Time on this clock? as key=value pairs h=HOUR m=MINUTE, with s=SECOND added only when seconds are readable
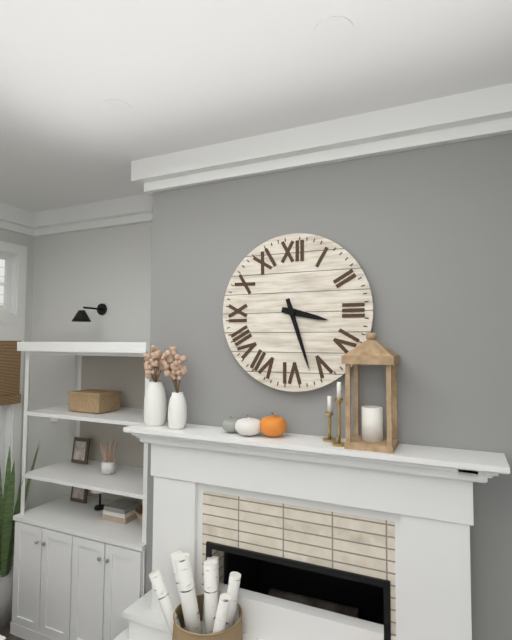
h=3 m=27
